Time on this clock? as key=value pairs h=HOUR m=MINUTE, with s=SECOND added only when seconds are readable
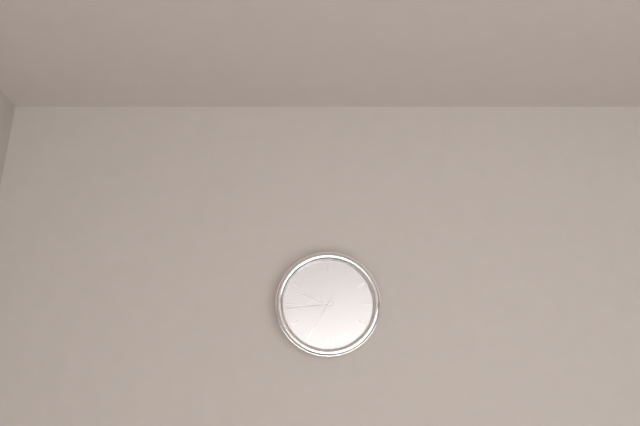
h=9 m=44
